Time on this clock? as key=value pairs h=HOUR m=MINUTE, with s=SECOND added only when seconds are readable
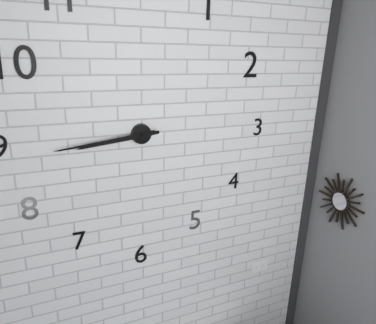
h=8 m=44
